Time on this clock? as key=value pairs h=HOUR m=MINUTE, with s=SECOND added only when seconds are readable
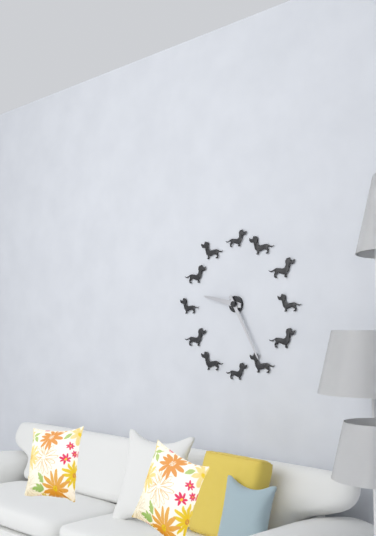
h=9 m=25
